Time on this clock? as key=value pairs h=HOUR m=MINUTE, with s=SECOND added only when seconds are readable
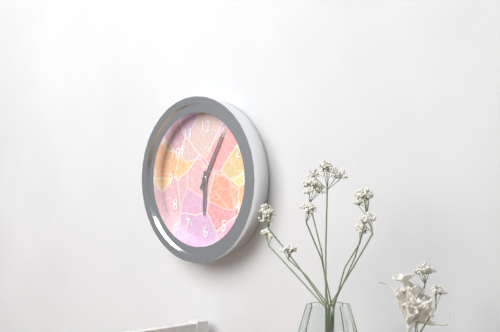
h=6 m=5
